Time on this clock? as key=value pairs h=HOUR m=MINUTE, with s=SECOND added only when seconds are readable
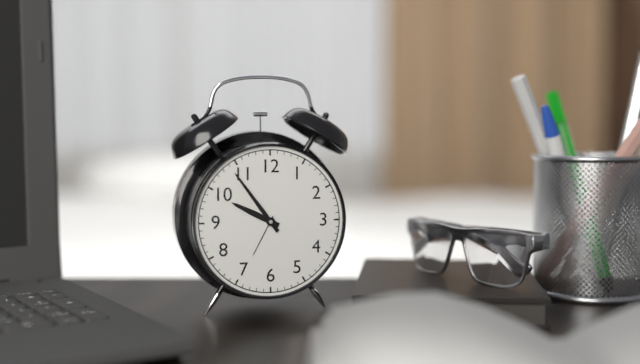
h=9 m=54
